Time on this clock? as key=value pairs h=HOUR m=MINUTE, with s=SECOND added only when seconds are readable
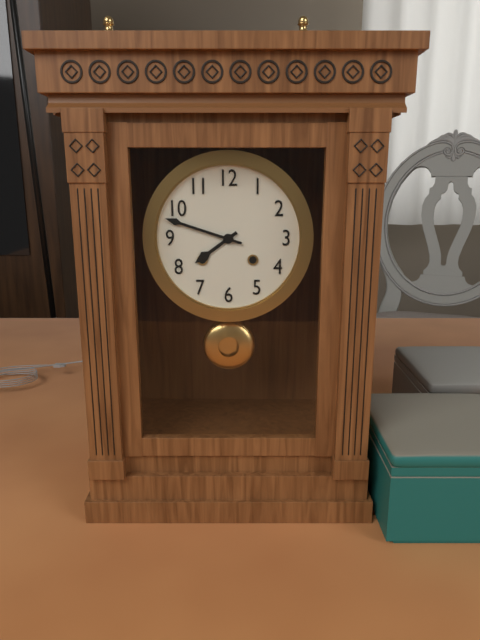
h=7 m=48
